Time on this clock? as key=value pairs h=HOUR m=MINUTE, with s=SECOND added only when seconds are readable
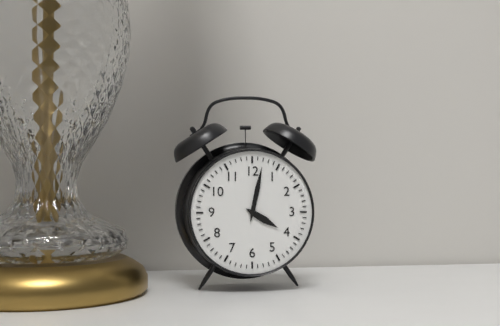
h=4 m=2
